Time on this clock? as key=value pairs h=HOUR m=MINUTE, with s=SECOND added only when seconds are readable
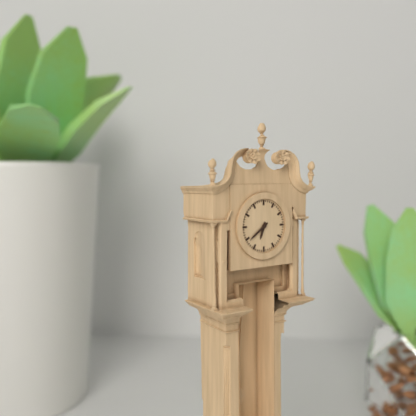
h=6 m=39
